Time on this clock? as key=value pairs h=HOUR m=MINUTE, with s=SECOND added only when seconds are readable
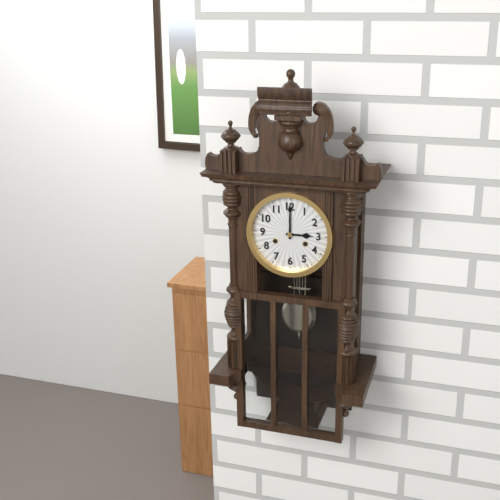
h=3 m=0
